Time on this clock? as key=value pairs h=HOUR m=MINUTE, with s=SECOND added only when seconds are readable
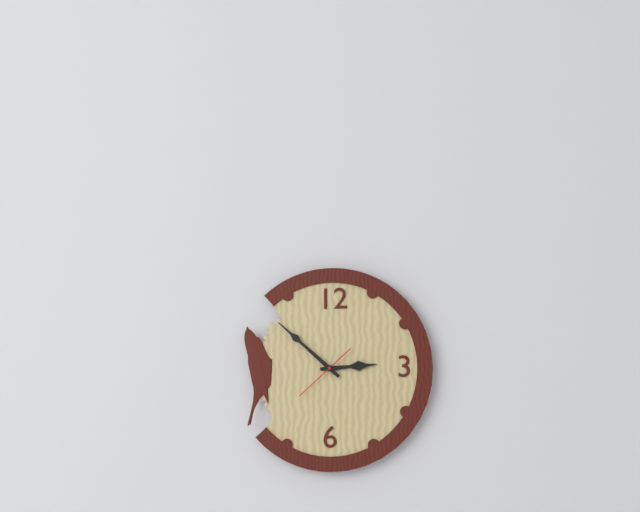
h=2 m=52 s=38
